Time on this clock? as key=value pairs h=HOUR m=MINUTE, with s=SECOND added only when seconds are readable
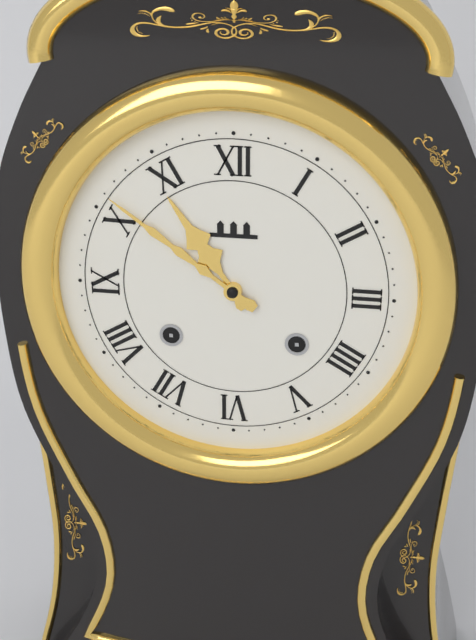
h=10 m=51
